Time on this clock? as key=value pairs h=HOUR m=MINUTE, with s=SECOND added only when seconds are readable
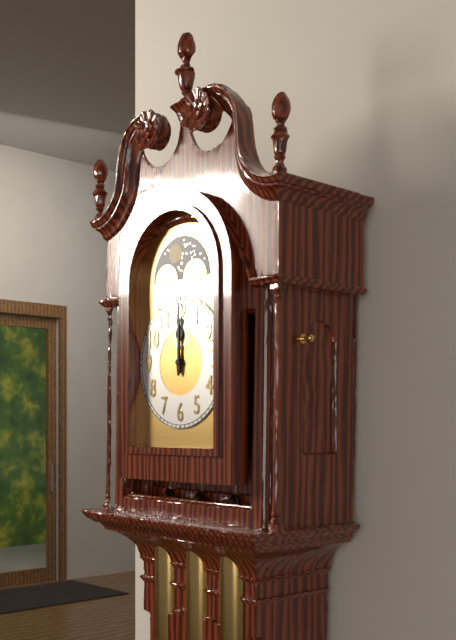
h=12 m=0
